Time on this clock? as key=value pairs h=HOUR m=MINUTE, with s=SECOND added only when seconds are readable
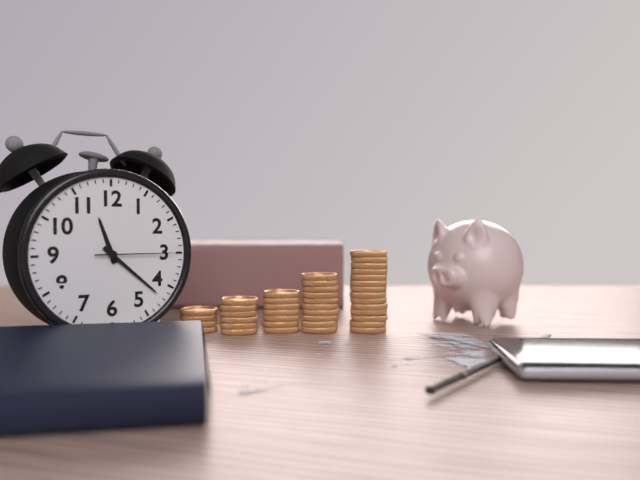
h=11 m=22 s=15
